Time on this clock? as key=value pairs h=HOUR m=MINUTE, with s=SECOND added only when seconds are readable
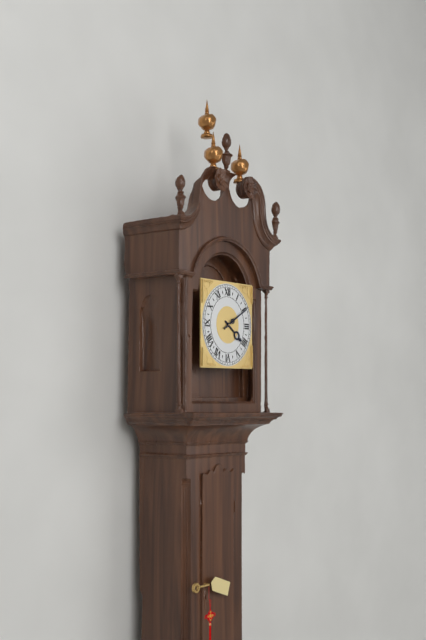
h=4 m=10
